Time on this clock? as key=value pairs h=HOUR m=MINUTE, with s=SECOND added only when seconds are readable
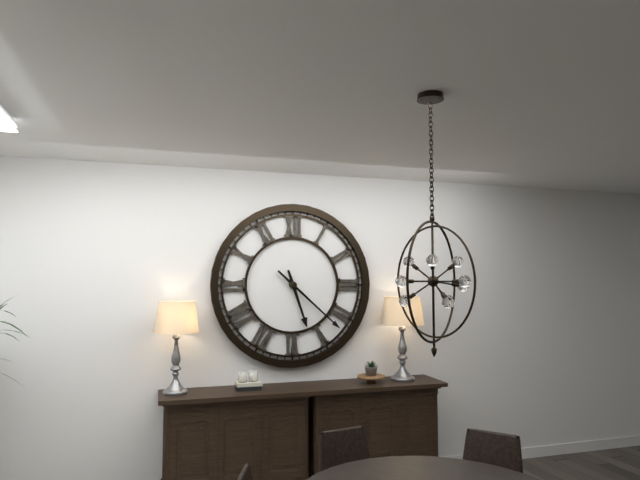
h=5 m=22
